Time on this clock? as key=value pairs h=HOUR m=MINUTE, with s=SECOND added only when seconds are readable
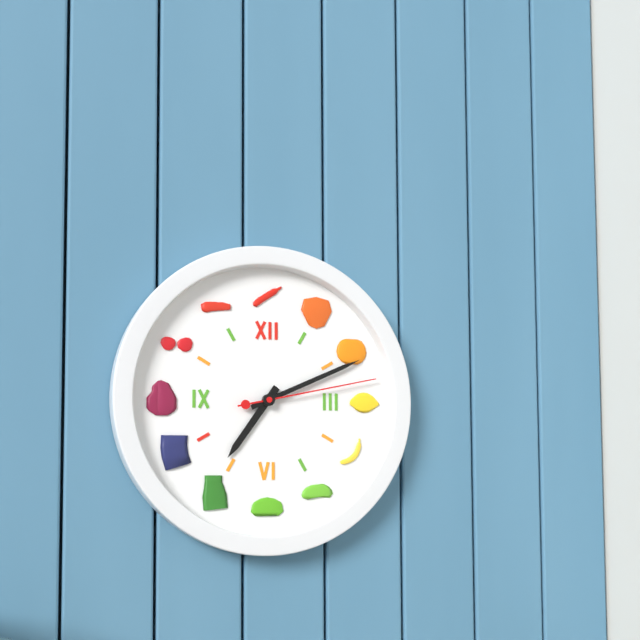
h=7 m=11 s=13
